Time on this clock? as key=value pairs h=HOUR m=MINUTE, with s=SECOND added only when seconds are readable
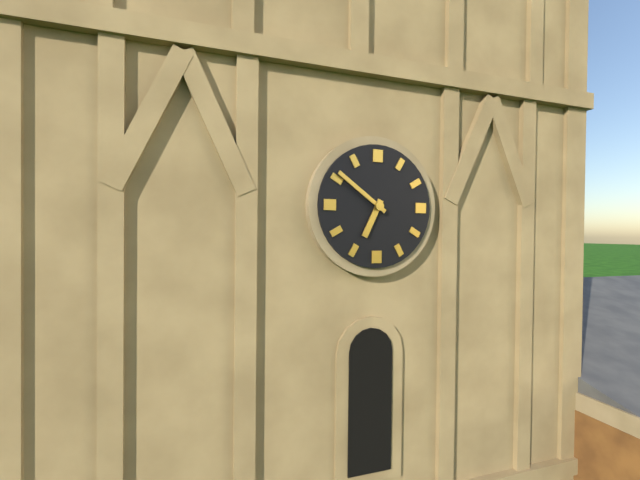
h=6 m=51
